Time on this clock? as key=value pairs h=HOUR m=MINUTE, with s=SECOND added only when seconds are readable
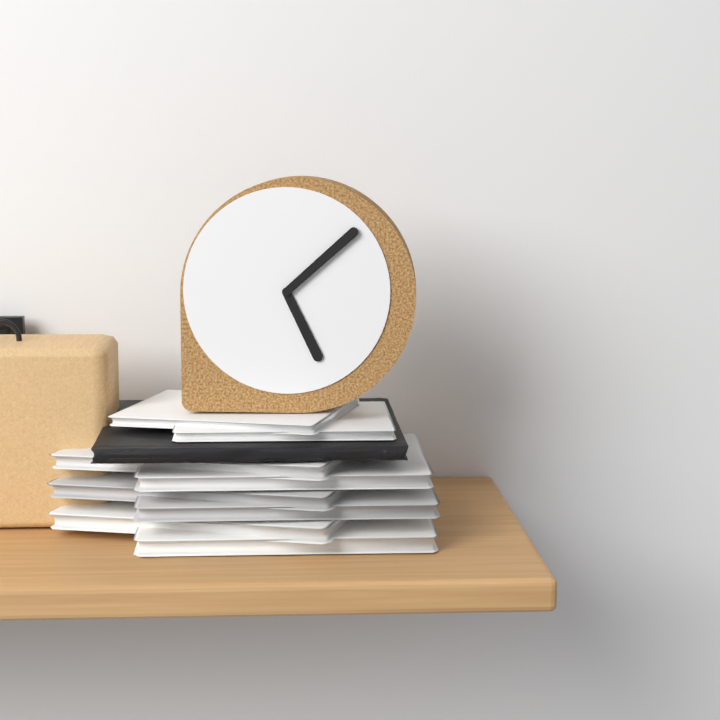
h=5 m=8
